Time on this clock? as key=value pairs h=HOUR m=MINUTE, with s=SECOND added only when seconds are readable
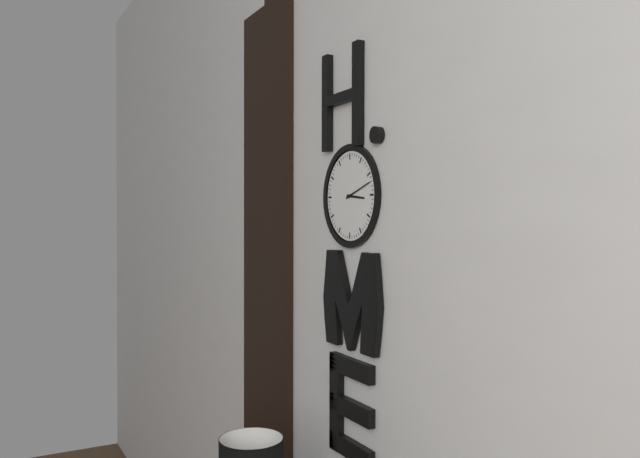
h=3 m=12
